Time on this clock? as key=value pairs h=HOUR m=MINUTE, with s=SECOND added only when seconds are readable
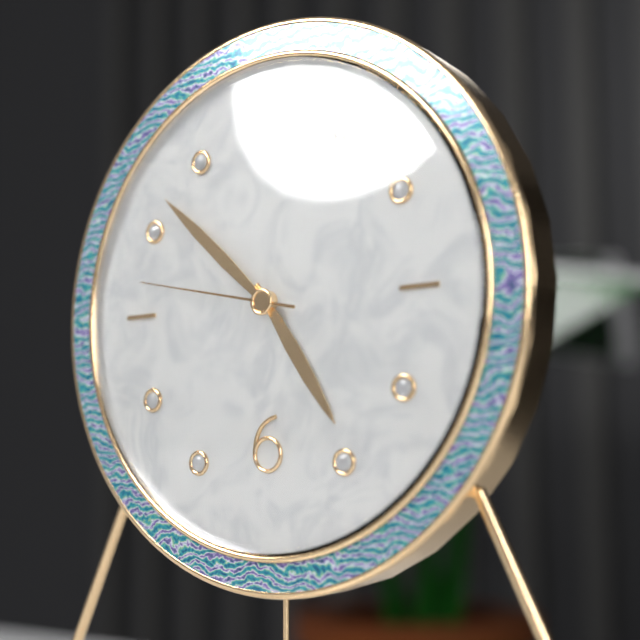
h=4 m=52 s=47
